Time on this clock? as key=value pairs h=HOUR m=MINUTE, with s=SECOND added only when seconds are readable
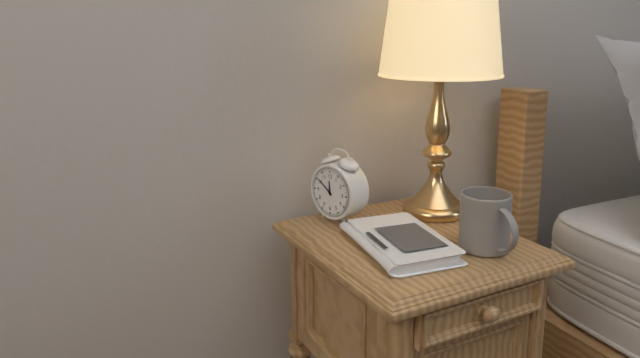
h=11 m=51
